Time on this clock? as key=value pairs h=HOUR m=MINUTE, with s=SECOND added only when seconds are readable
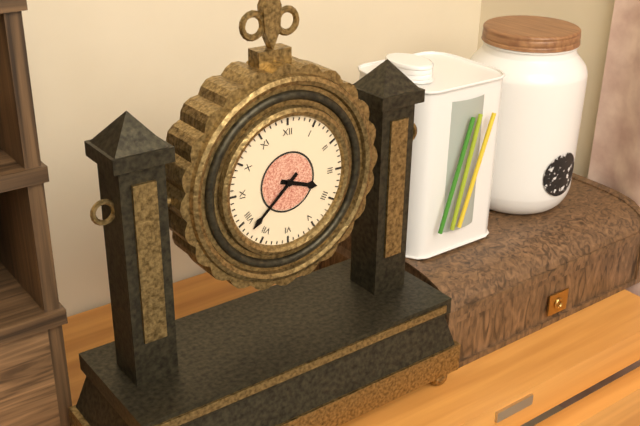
h=3 m=38
